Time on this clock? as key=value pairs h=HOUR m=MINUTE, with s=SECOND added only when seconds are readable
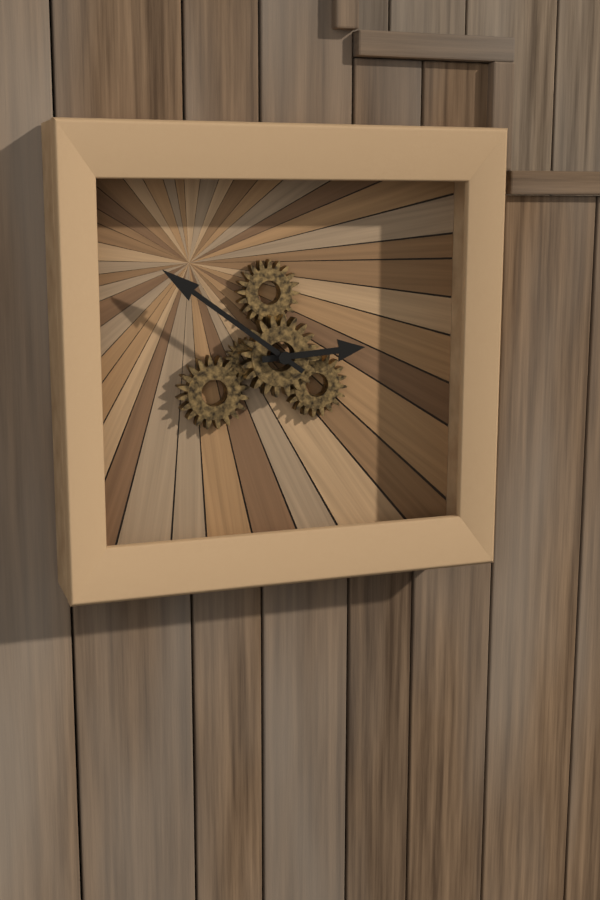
h=2 m=51
